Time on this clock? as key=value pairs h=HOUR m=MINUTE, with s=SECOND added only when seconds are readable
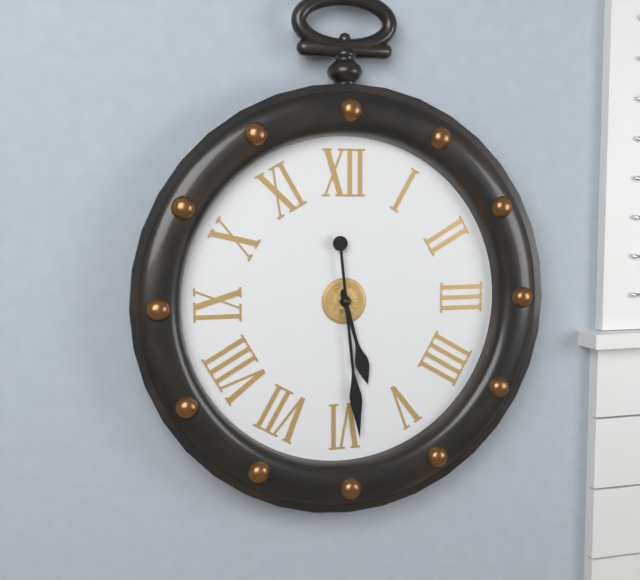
h=5 m=29
